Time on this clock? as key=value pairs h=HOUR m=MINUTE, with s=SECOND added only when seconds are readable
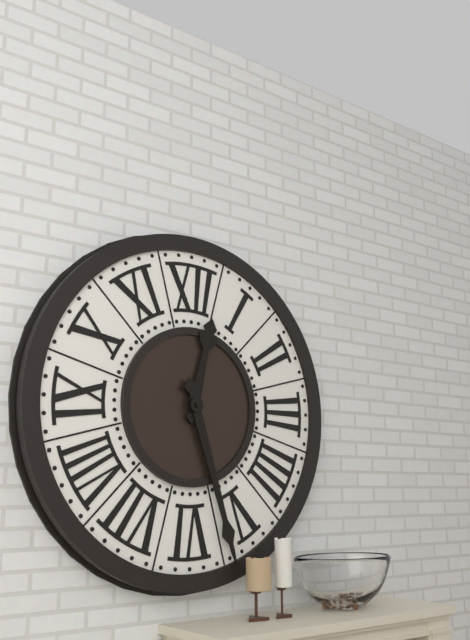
h=12 m=27
